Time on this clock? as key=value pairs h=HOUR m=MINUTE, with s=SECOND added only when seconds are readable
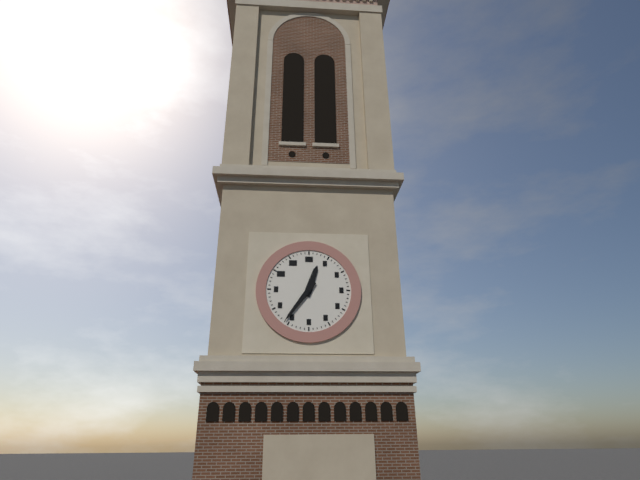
h=12 m=36
